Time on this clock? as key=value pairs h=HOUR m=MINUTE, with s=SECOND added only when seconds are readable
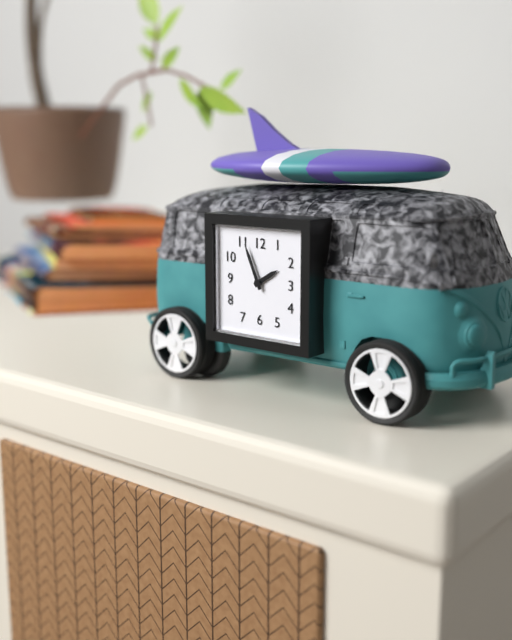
h=1 m=56
